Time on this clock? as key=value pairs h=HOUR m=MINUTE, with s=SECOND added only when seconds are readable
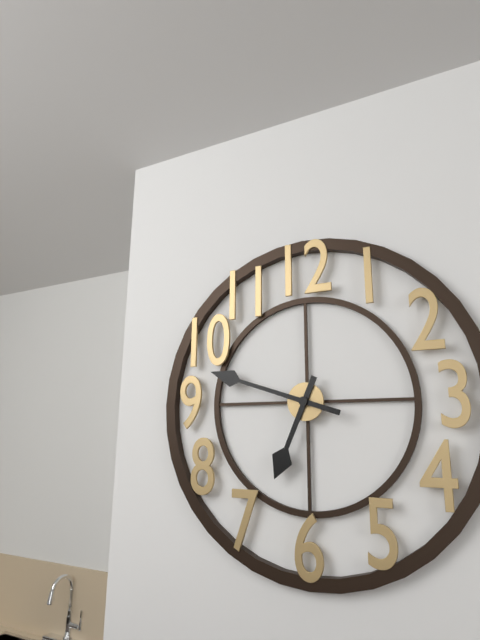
h=6 m=48
